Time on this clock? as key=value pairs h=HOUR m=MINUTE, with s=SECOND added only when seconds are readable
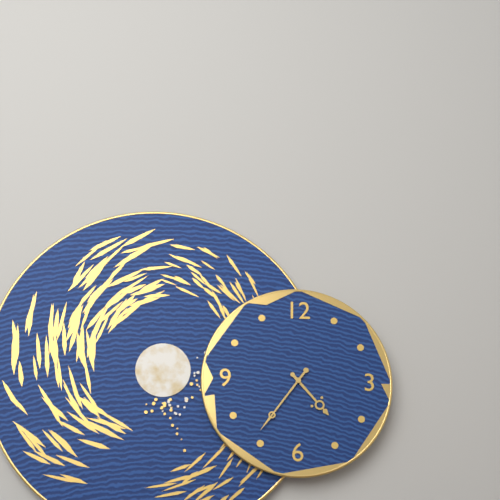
h=4 m=36
